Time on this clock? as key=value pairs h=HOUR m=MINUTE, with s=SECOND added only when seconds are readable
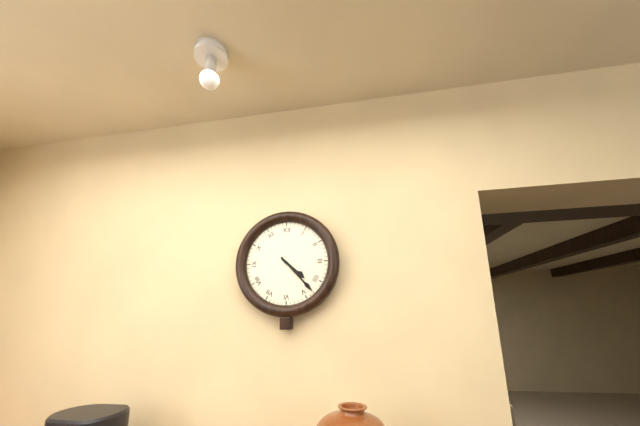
h=4 m=23
